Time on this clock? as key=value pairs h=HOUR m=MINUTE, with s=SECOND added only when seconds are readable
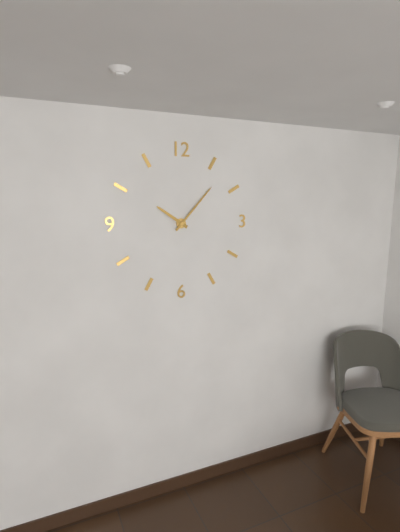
h=10 m=7
